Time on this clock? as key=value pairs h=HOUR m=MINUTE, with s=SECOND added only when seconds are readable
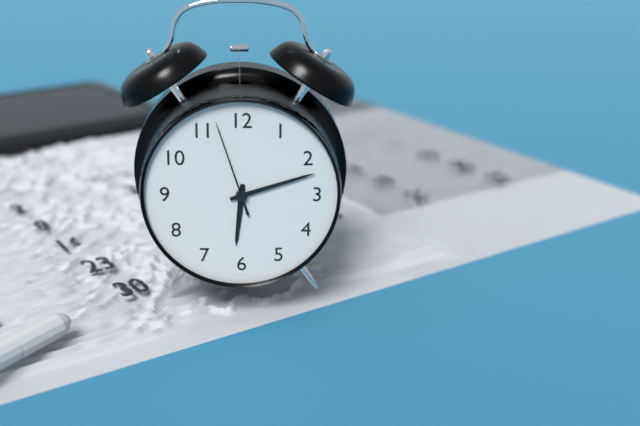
h=6 m=12 s=57
